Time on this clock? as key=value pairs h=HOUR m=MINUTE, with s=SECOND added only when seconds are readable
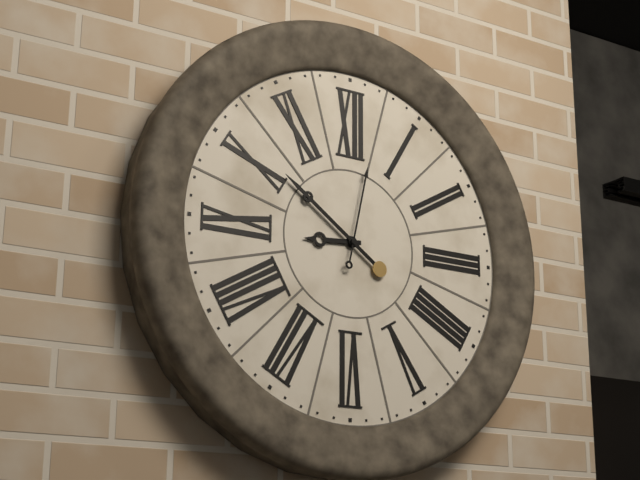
h=8 m=51 s=2
